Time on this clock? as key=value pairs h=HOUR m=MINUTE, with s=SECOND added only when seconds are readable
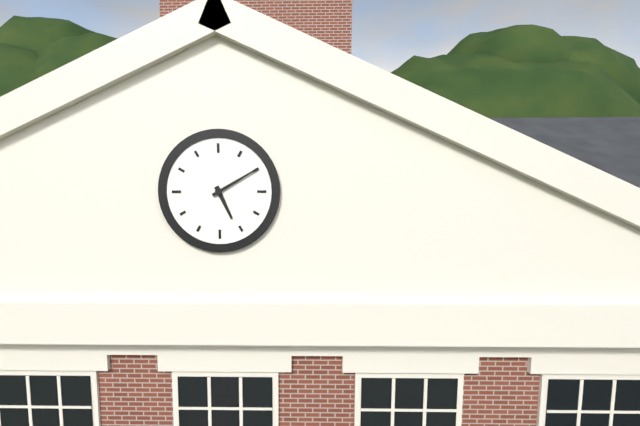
h=5 m=10
